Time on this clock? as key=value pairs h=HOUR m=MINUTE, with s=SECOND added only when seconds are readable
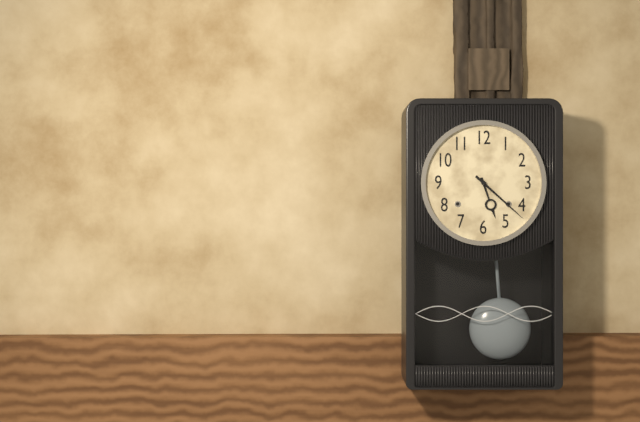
h=5 m=22
